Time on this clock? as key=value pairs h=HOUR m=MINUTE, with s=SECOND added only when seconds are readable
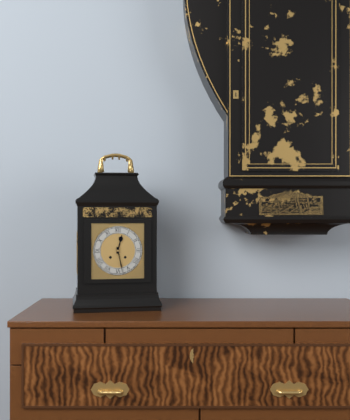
h=12 m=28
